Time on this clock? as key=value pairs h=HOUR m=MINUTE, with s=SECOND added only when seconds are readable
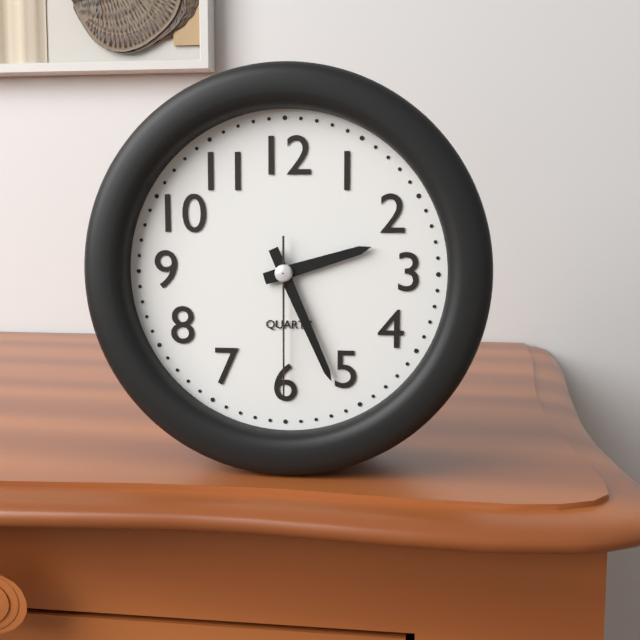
h=2 m=26 s=30
